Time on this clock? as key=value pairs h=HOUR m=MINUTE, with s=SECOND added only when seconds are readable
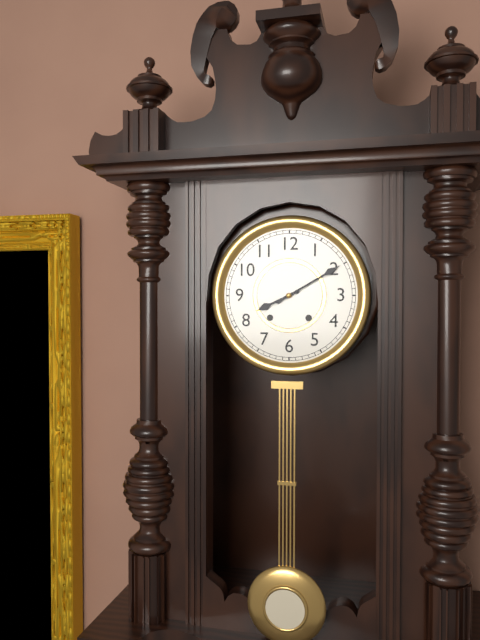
h=8 m=10
